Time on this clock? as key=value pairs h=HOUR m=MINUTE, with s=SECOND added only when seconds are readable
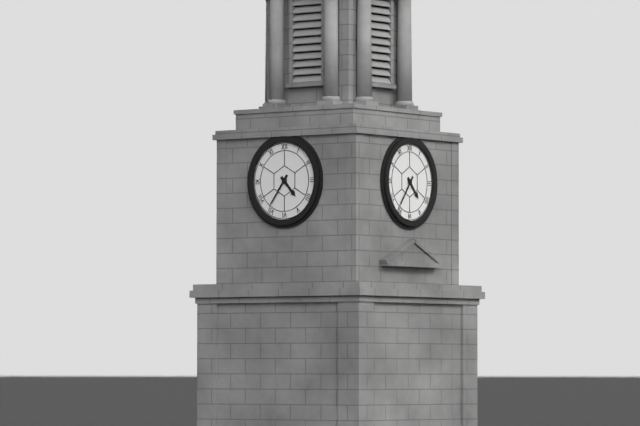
h=4 m=36
